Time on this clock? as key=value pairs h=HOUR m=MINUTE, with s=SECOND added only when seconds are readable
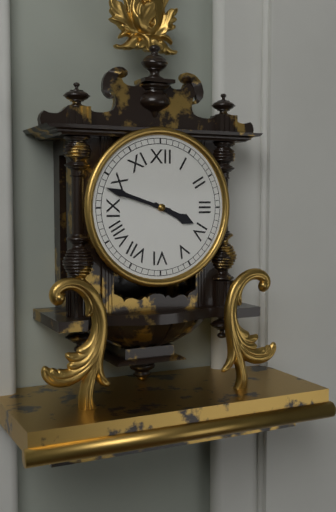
h=3 m=48
